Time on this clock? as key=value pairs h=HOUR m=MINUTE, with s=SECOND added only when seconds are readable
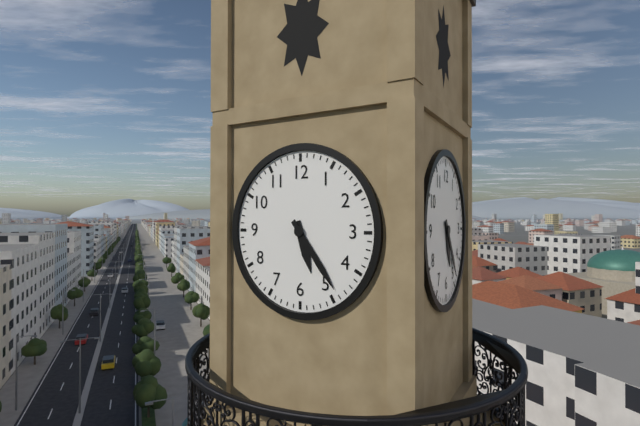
h=5 m=24
